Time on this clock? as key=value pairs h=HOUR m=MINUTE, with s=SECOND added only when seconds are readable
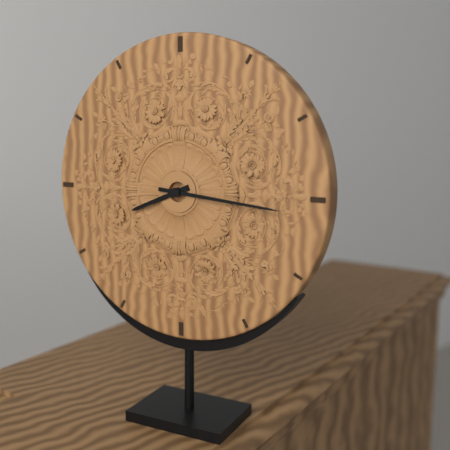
h=8 m=16
